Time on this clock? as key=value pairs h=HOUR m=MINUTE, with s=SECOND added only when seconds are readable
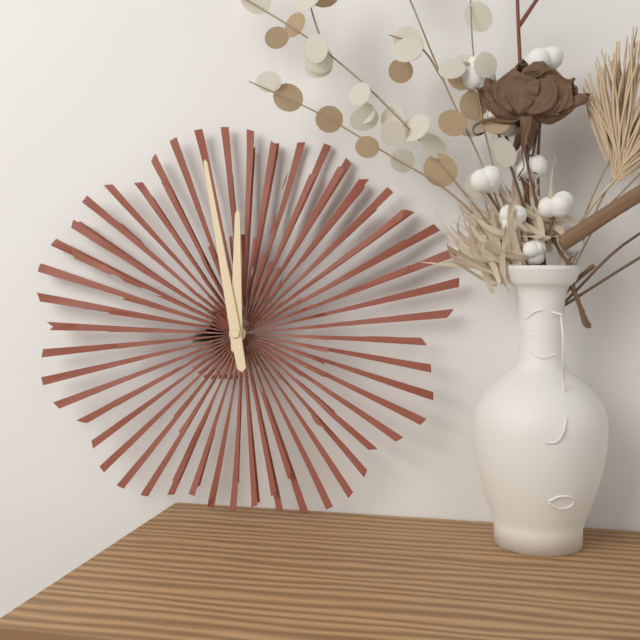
h=11 m=58
